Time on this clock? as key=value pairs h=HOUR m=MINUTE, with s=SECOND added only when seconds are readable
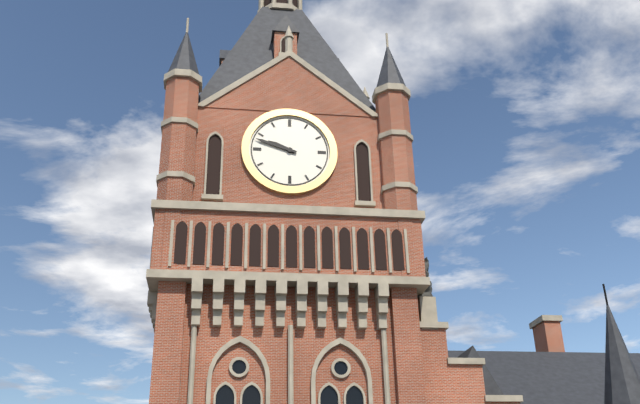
h=9 m=48
